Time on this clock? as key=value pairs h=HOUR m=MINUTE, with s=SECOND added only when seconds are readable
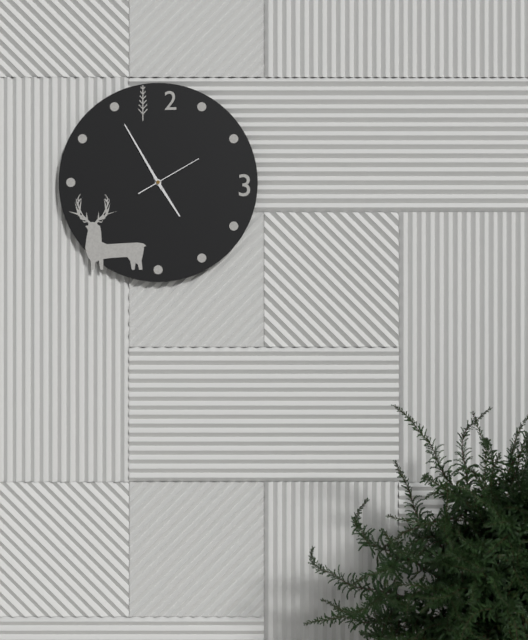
h=4 m=55 s=10
